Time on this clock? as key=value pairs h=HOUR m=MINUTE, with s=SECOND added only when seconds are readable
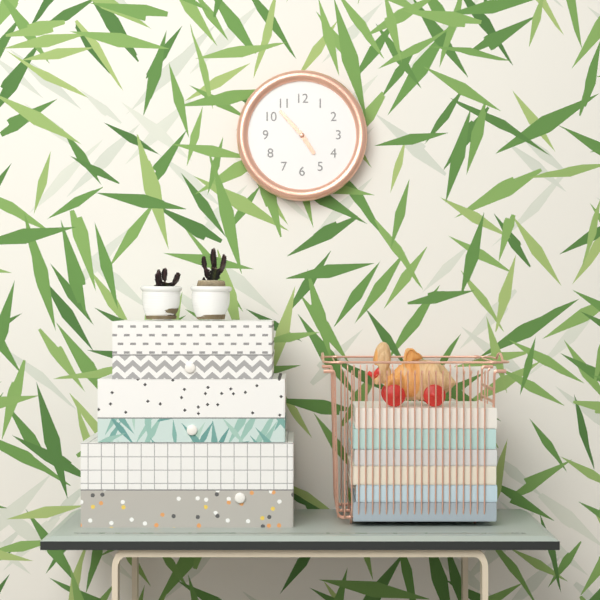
h=4 m=53
